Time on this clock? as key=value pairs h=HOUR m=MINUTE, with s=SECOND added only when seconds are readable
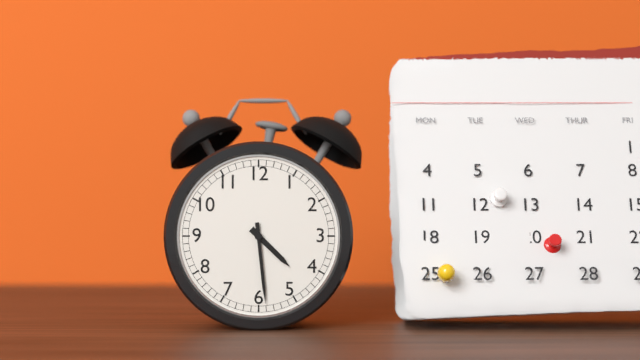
h=4 m=29
